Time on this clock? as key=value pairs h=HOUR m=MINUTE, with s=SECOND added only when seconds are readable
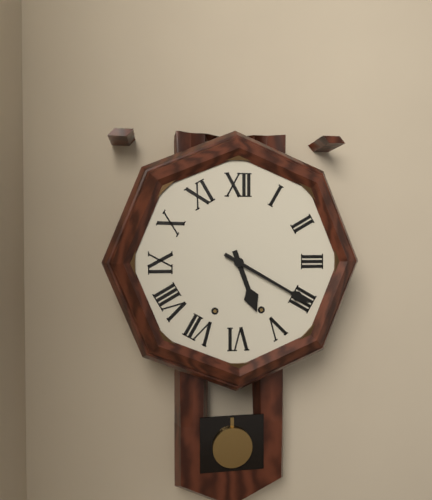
h=5 m=20
